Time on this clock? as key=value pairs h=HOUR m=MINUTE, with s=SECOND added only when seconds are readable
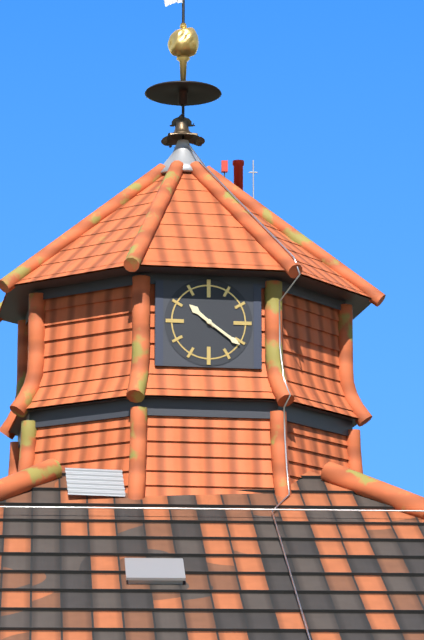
h=10 m=21
